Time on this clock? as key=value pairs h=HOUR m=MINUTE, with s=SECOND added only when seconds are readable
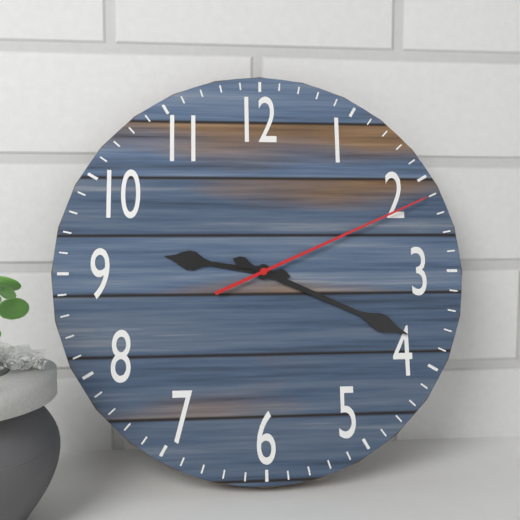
h=9 m=19 s=11
